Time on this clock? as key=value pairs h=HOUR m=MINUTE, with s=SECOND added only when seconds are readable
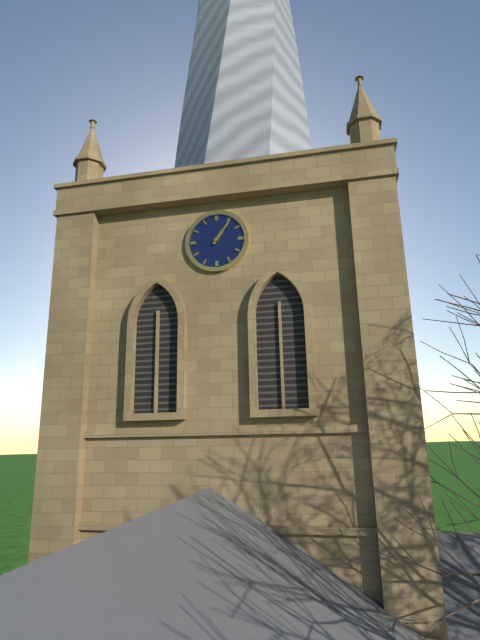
h=1 m=6
